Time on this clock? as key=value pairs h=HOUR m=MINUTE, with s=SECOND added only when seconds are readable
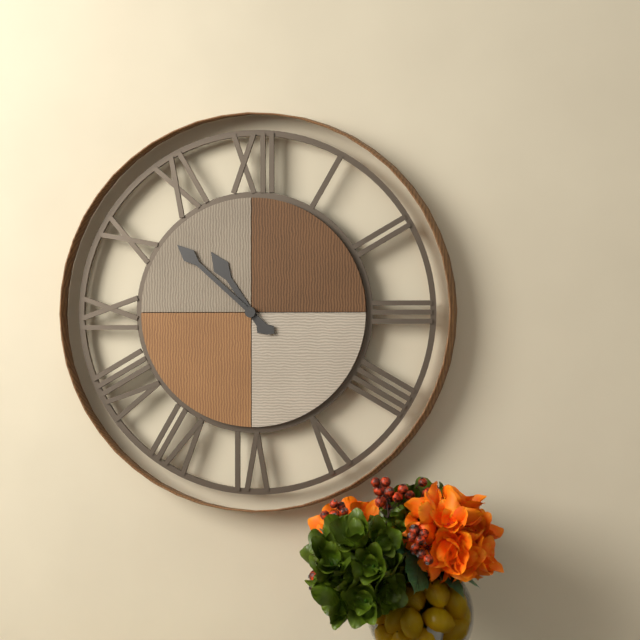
h=10 m=52
